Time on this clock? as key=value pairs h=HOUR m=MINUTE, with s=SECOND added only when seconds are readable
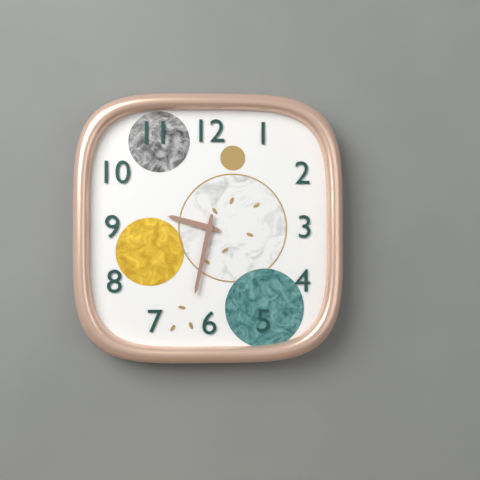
h=9 m=32
